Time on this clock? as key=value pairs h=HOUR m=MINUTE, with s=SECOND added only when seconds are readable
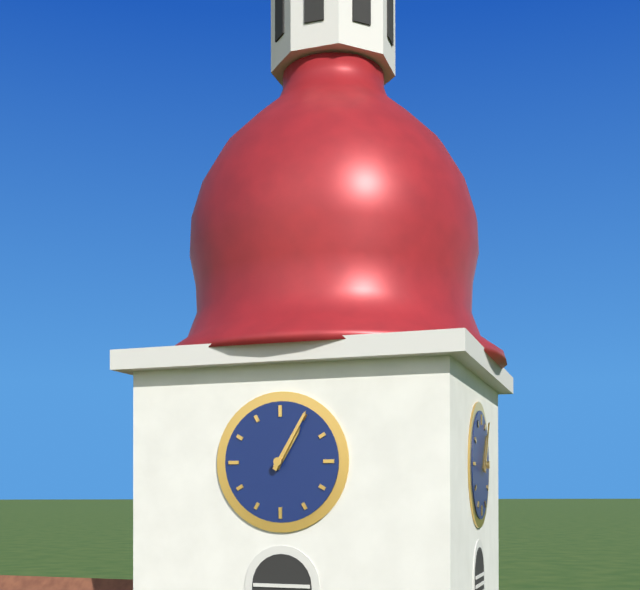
h=1 m=5
